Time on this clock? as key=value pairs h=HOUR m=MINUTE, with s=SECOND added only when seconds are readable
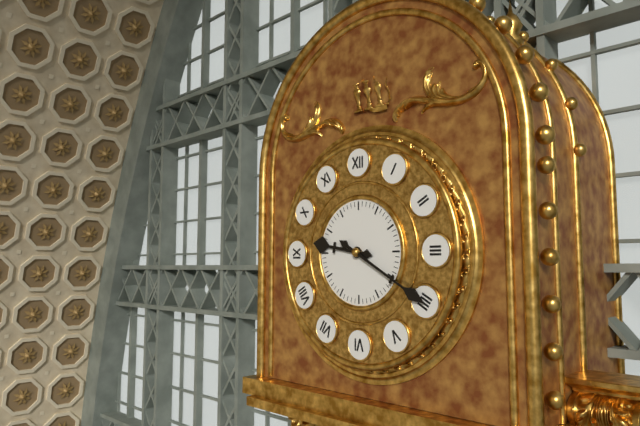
h=9 m=20
